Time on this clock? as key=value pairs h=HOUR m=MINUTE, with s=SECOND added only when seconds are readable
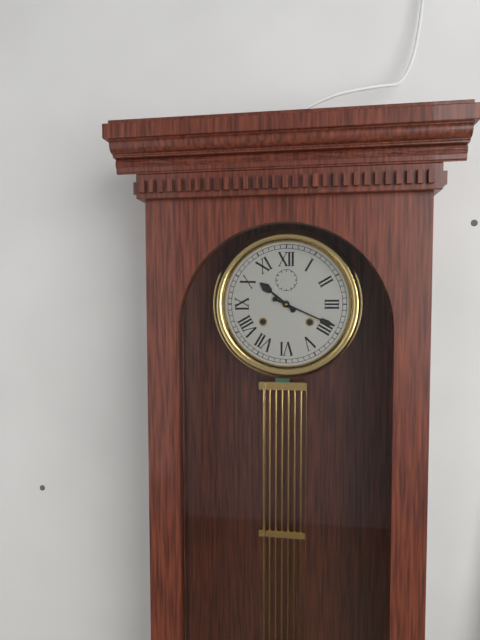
h=10 m=19
